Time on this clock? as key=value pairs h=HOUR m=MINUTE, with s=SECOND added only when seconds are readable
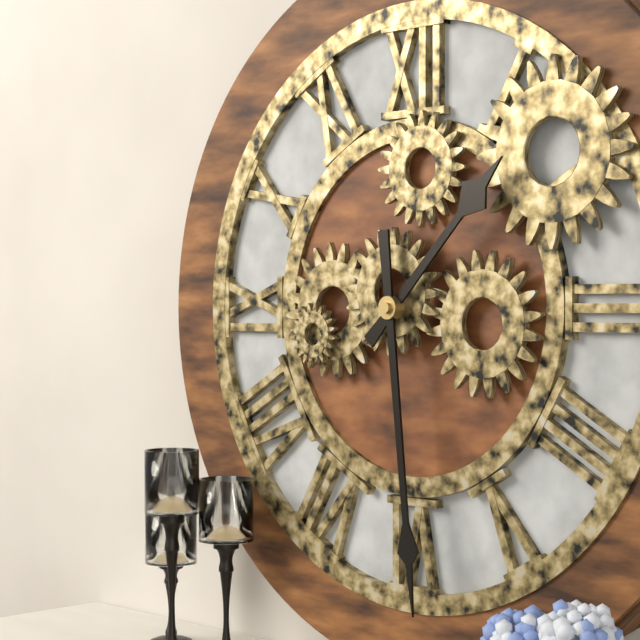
h=1 m=29
